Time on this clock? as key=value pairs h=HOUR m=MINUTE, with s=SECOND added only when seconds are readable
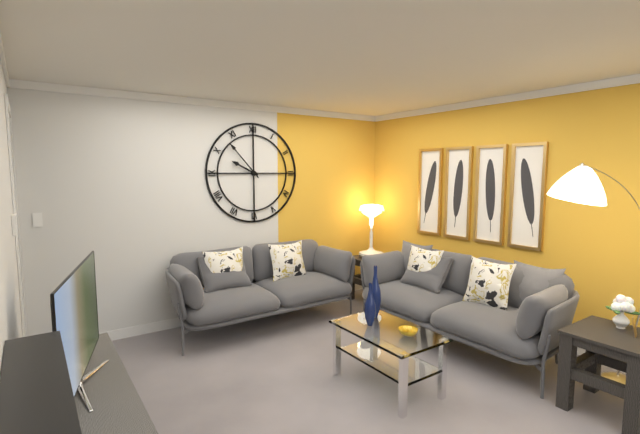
h=9 m=53
